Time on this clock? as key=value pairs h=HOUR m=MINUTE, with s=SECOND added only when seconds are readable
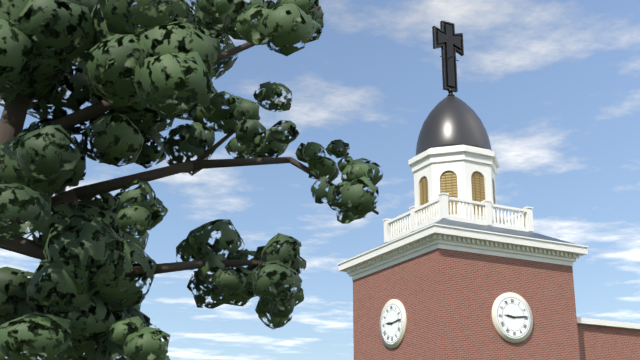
h=9 m=14
